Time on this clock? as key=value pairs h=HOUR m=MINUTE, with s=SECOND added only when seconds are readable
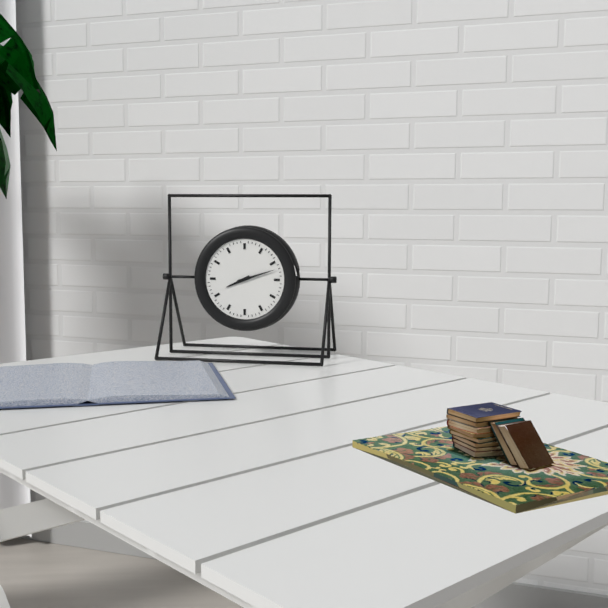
h=8 m=12
